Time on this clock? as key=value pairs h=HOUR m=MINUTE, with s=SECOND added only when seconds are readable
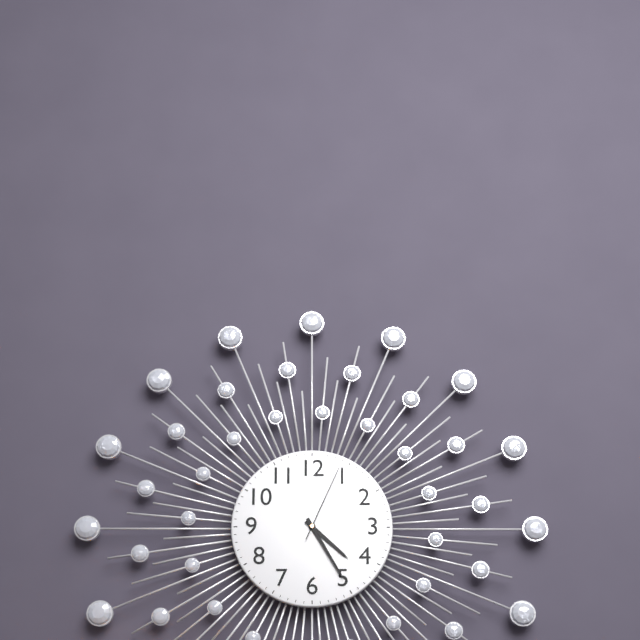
h=4 m=25 s=4
